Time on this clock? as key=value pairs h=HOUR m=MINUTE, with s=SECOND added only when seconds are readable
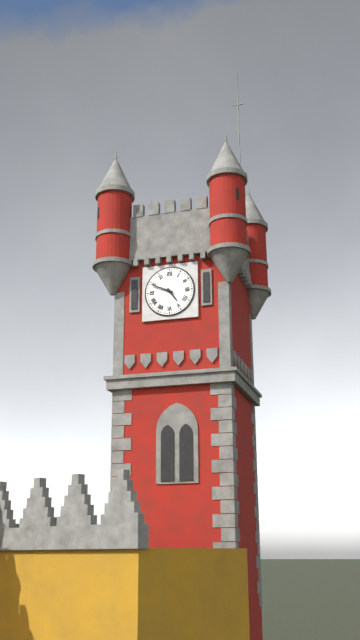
h=4 m=49
